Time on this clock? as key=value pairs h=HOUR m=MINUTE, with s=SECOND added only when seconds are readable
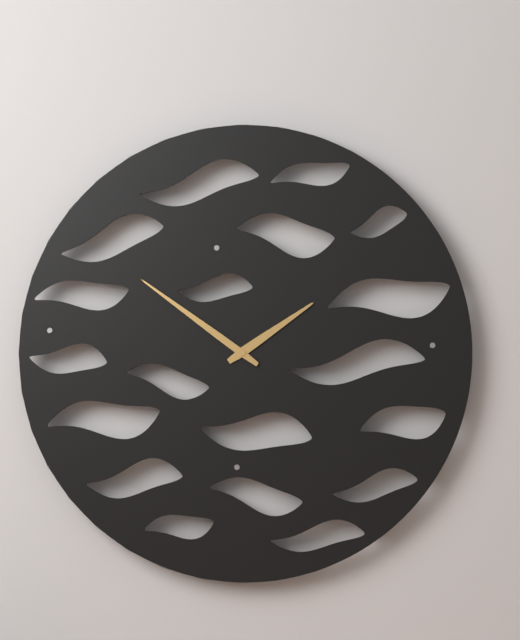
h=1 m=51
